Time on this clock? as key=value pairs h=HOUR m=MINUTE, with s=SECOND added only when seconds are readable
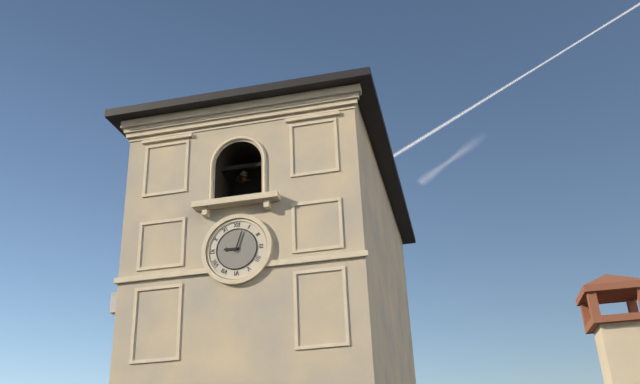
h=9 m=3
